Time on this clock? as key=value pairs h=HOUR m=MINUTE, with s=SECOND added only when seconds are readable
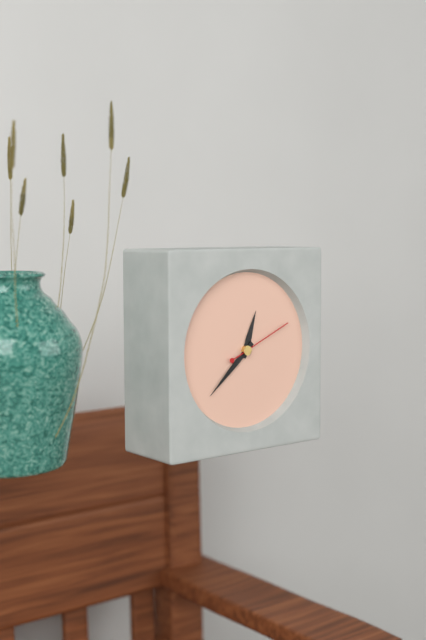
h=12 m=38 s=11
